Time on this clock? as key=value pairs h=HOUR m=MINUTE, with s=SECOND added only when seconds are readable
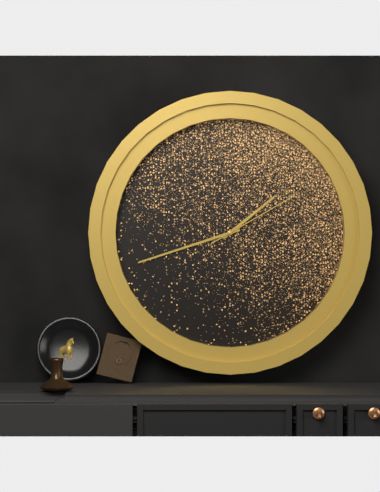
h=1 m=42 s=10
